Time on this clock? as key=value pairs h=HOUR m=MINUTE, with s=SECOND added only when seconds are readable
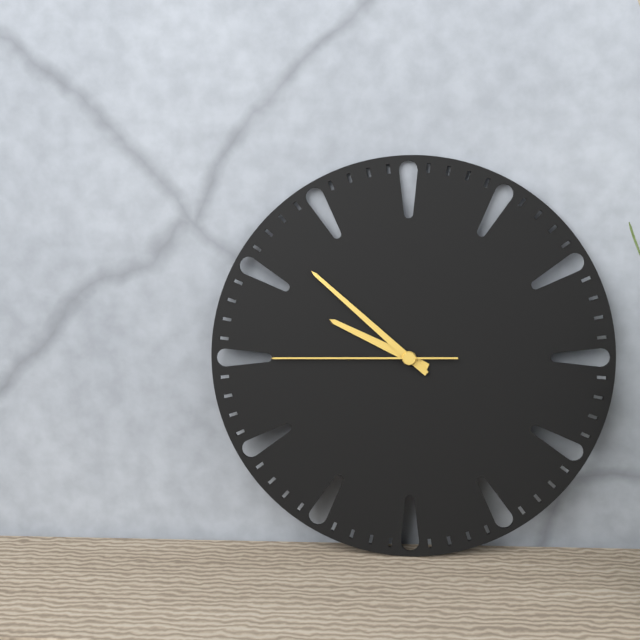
h=9 m=52 s=45
